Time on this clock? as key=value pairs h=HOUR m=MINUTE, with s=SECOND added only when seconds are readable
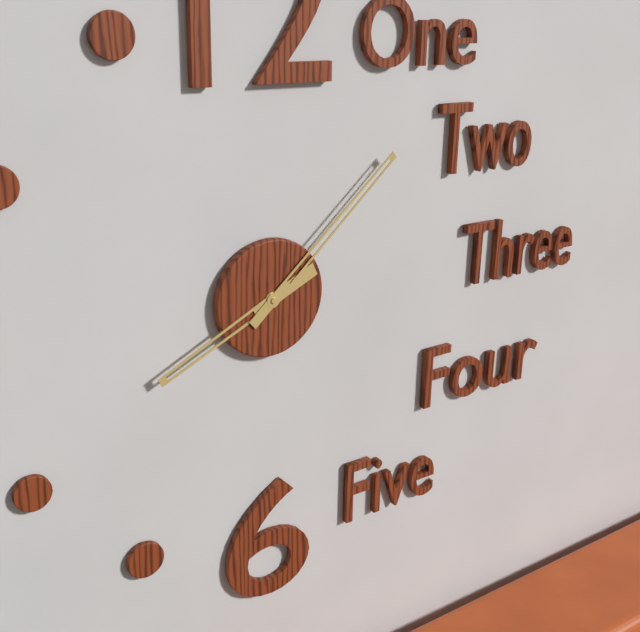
h=8 m=8
